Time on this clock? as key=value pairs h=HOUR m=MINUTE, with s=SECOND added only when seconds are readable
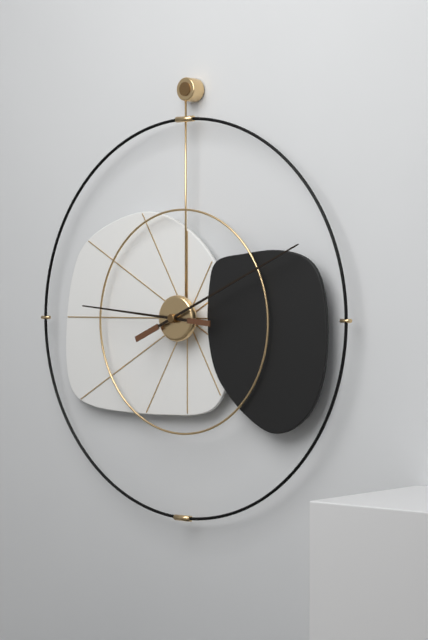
h=9 m=11
